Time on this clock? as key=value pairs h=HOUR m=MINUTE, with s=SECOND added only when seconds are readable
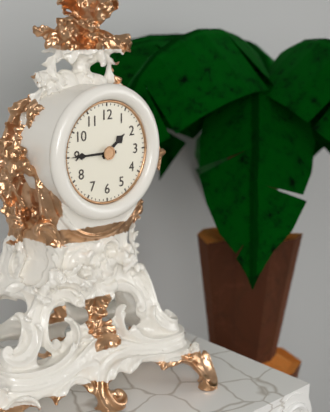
h=1 m=45
